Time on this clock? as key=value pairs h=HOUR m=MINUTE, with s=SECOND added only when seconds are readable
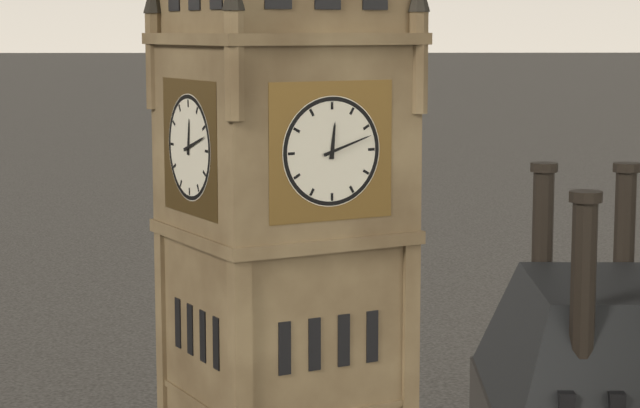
h=12 m=12
